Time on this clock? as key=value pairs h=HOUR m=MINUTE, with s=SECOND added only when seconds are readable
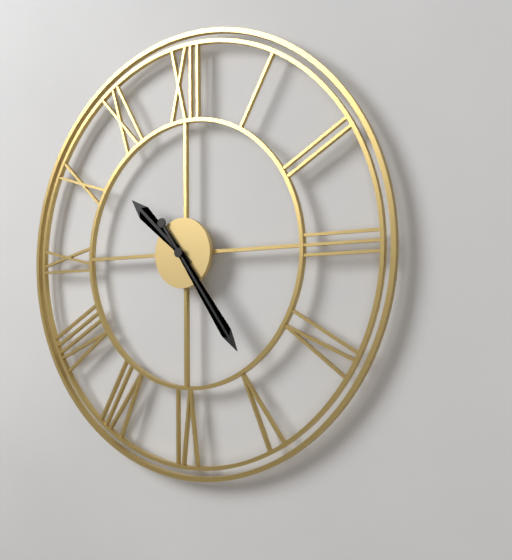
h=10 m=24
